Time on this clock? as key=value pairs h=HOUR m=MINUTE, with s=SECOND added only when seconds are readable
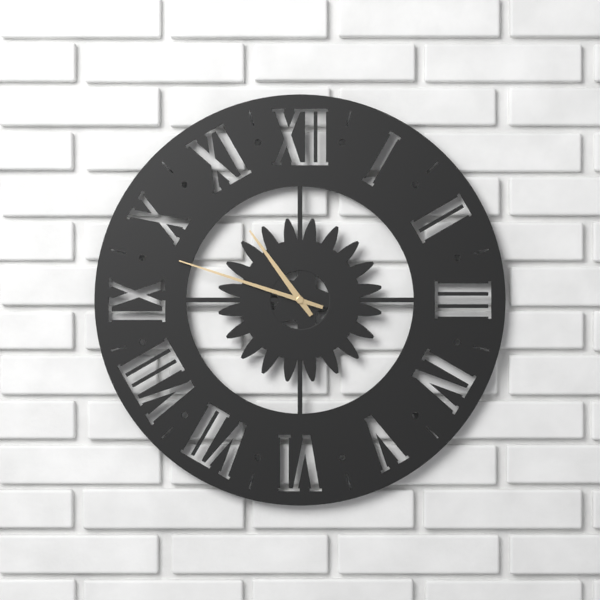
h=10 m=48
